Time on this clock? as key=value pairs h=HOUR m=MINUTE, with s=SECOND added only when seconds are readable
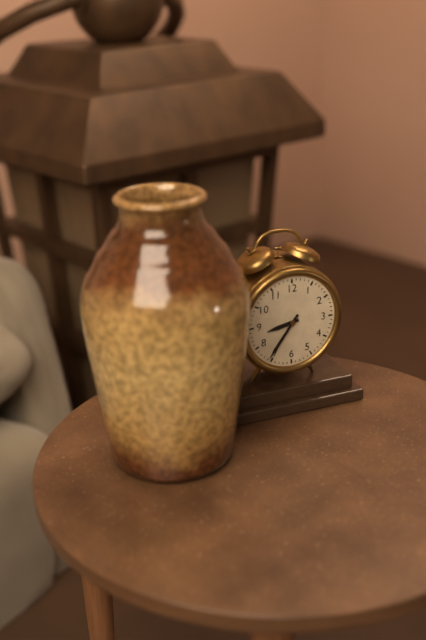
h=8 m=36
